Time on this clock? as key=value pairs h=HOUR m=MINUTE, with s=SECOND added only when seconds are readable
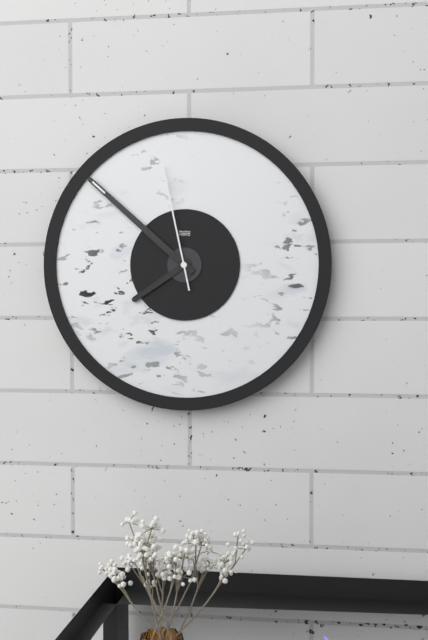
h=7 m=52 s=58
